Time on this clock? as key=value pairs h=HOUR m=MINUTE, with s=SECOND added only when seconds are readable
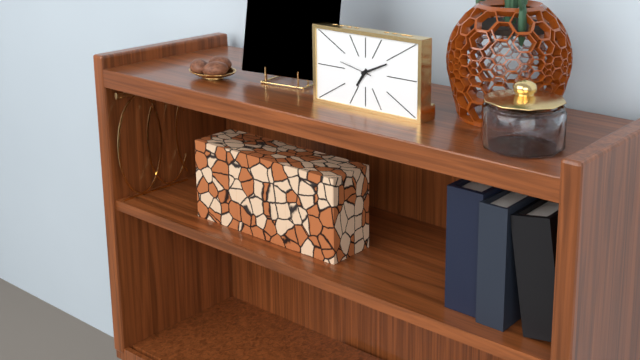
h=7 m=11
